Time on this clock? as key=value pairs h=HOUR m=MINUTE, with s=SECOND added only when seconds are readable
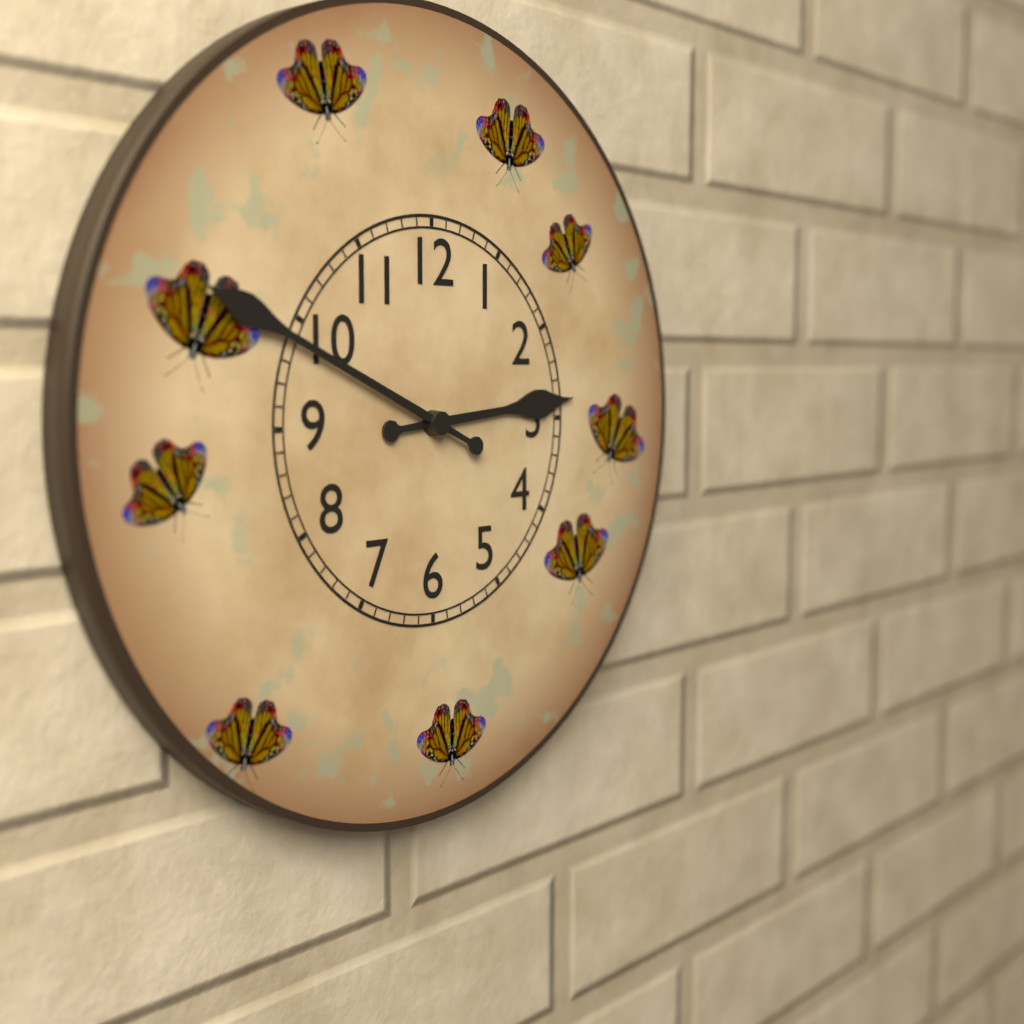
h=2 m=49
